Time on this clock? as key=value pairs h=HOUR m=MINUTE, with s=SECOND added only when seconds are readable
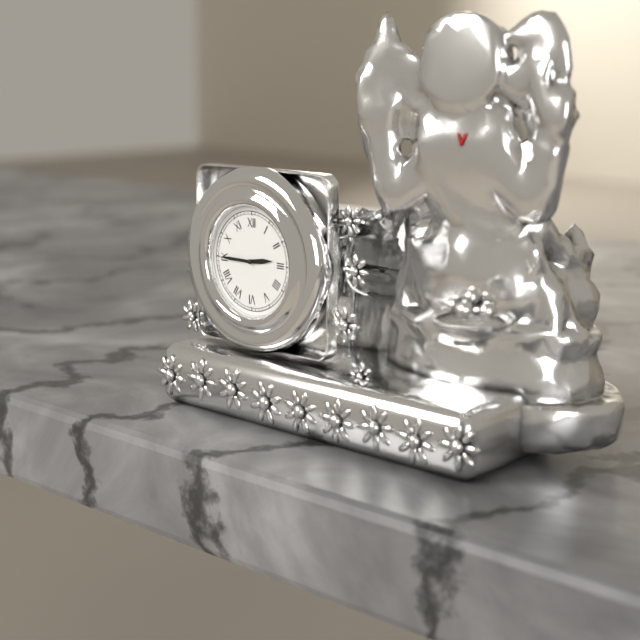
h=2 m=45
